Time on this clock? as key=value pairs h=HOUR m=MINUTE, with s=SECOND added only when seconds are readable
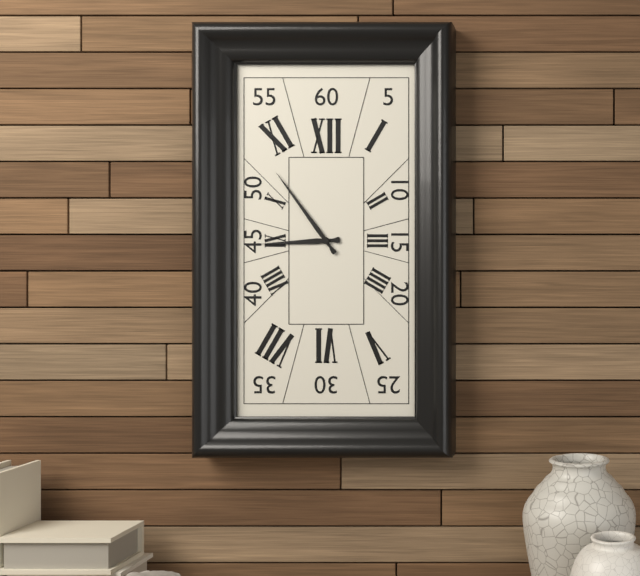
h=8 m=54
